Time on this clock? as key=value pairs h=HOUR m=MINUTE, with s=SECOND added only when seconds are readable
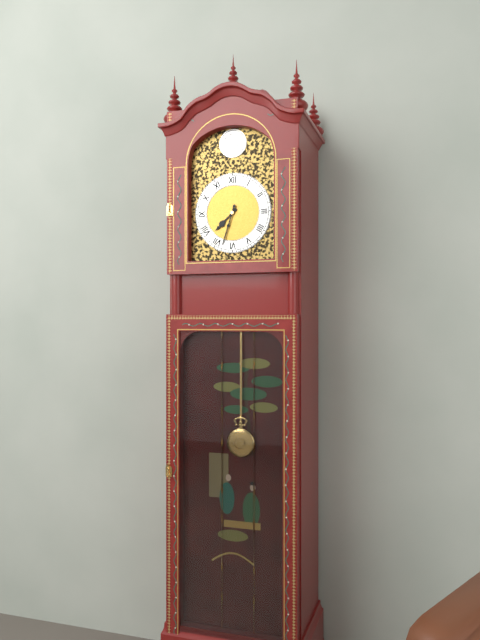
h=7 m=33
